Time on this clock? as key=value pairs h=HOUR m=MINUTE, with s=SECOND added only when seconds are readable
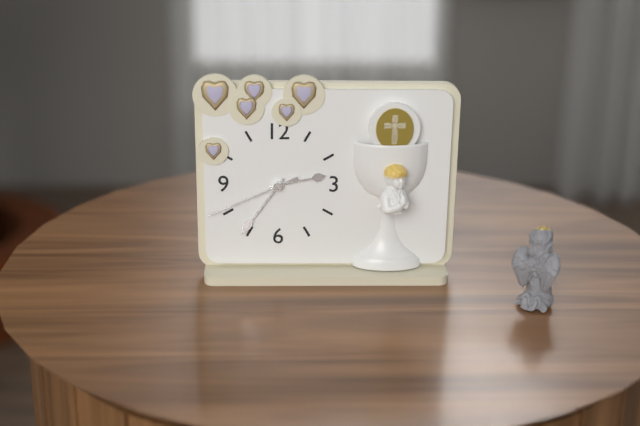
h=2 m=36 s=41
